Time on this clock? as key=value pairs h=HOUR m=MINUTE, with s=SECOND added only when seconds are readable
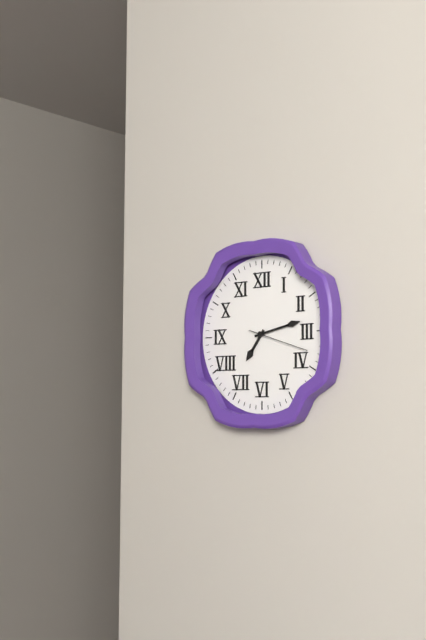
h=7 m=13 s=18
